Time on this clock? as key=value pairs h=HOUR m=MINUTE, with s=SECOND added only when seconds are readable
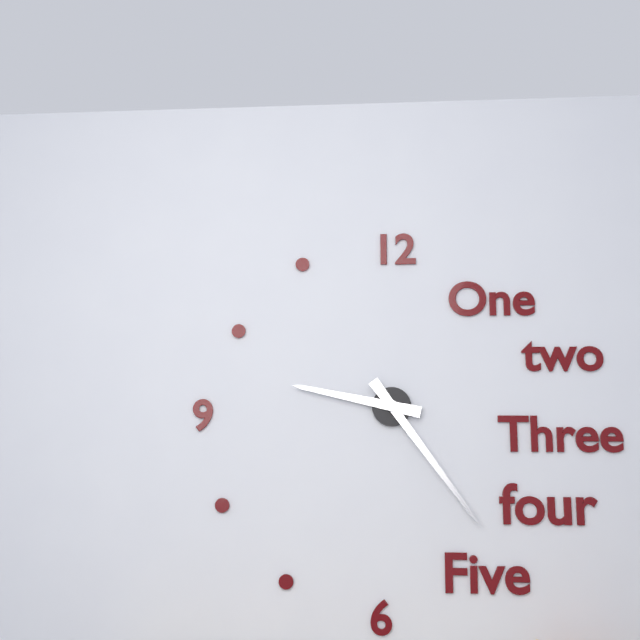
h=9 m=24
